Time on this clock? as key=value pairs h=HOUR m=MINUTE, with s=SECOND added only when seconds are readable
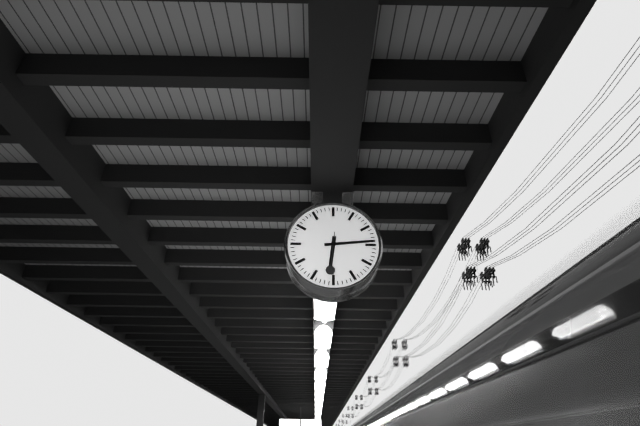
h=6 m=14
